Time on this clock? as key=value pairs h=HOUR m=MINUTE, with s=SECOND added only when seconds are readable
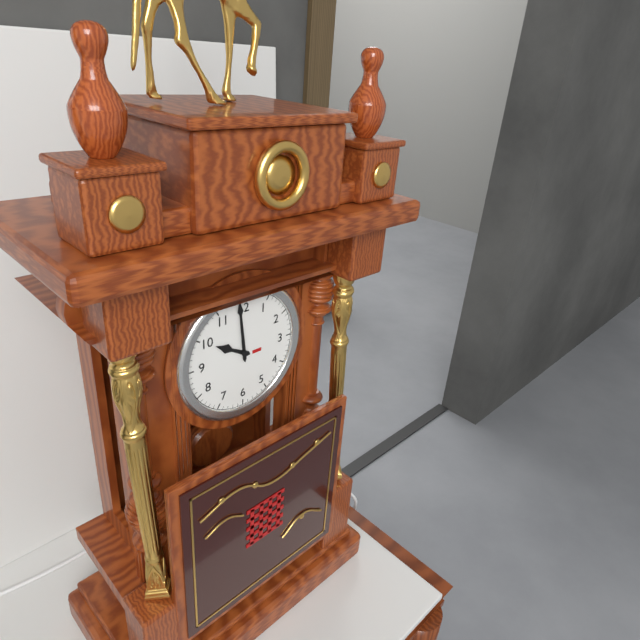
h=9 m=59
